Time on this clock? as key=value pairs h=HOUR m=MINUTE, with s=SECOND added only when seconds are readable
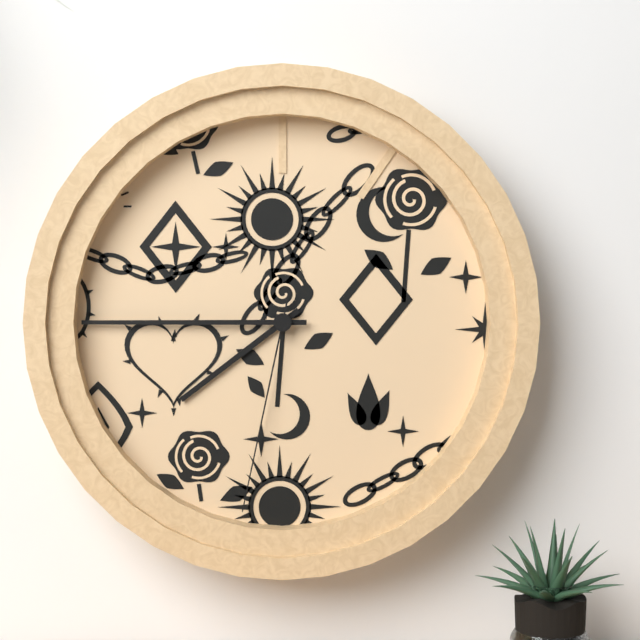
h=7 m=45 s=32
